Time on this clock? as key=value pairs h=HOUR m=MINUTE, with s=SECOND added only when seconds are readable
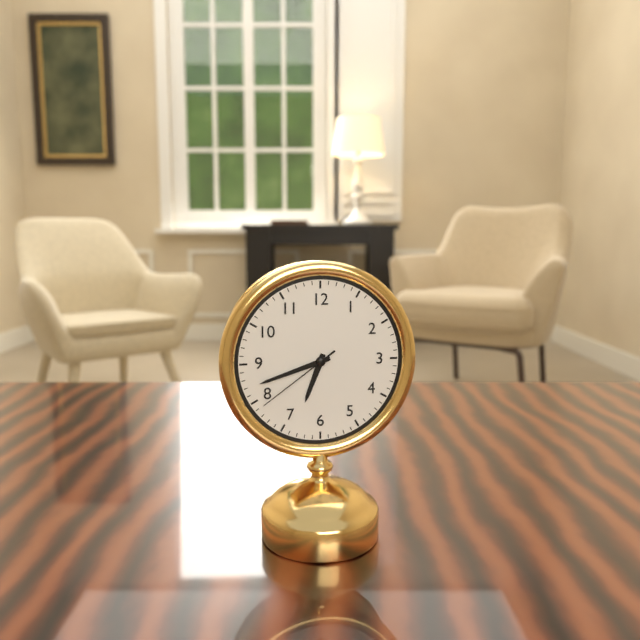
h=6 m=42 s=39
